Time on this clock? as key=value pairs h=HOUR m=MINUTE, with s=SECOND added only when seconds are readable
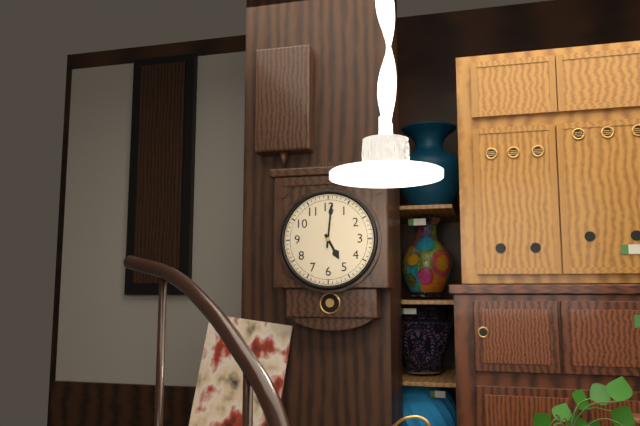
h=5 m=1
